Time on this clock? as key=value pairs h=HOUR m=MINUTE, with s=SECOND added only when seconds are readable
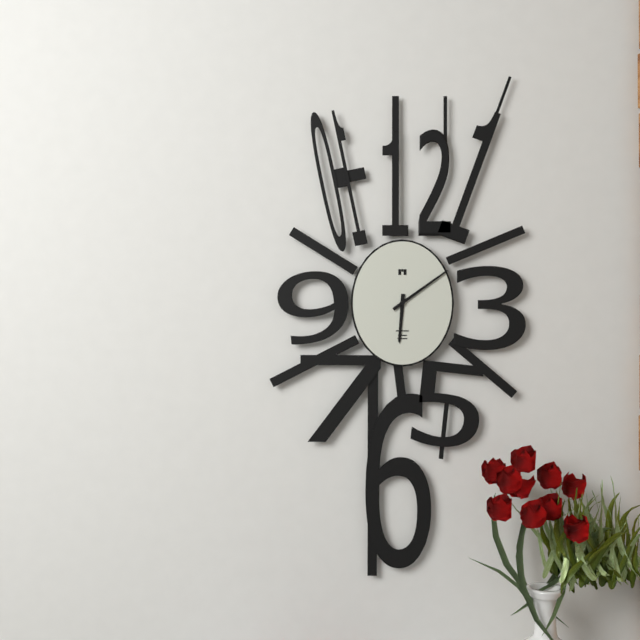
h=6 m=9
